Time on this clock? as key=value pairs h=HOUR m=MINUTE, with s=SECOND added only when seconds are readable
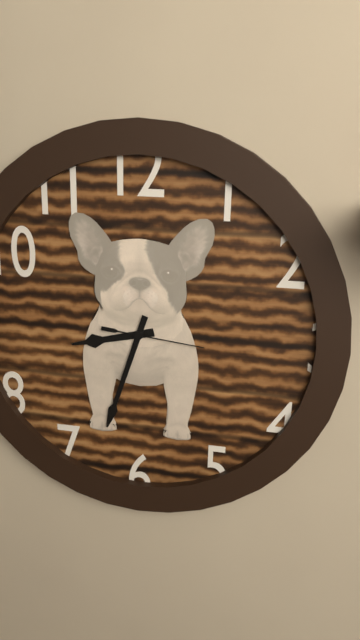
h=8 m=33 s=16
